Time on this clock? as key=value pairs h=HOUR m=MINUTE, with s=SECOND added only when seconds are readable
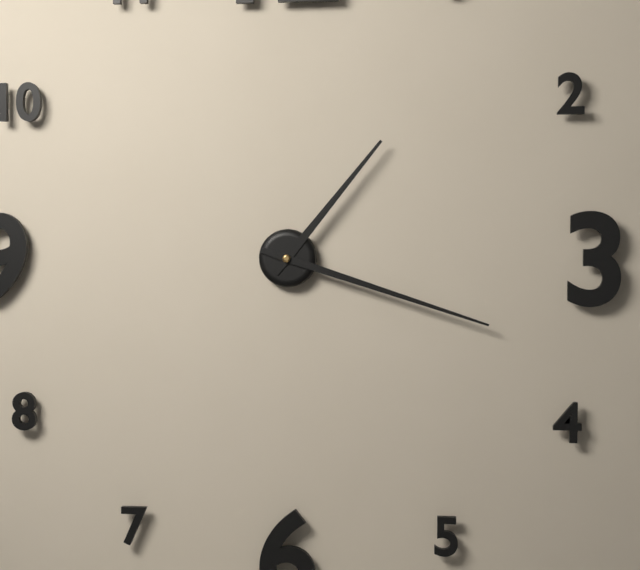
h=1 m=18
